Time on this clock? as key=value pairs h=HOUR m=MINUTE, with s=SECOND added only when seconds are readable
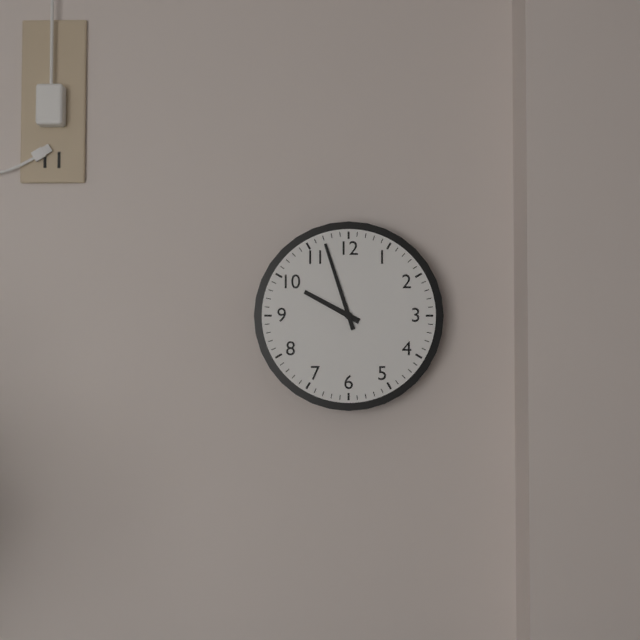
h=9 m=57
